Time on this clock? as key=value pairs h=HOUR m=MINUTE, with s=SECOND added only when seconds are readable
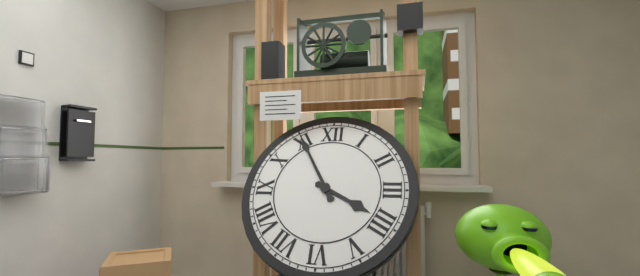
h=3 m=55
